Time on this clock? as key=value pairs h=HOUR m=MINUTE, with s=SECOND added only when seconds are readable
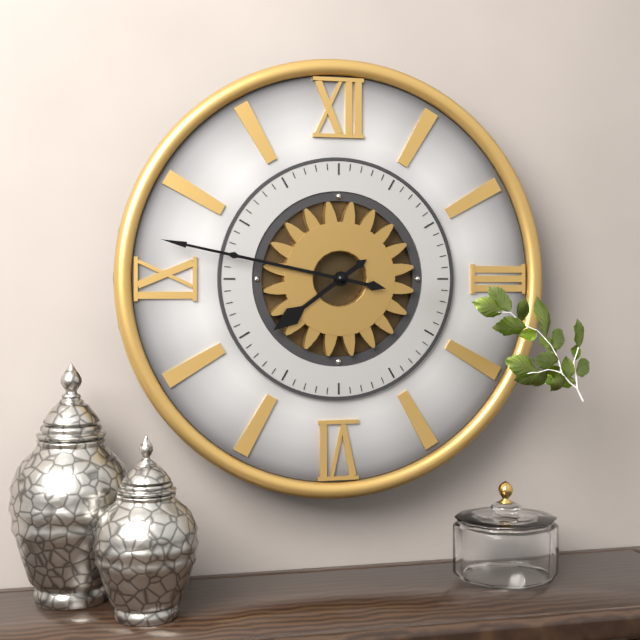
h=7 m=47
